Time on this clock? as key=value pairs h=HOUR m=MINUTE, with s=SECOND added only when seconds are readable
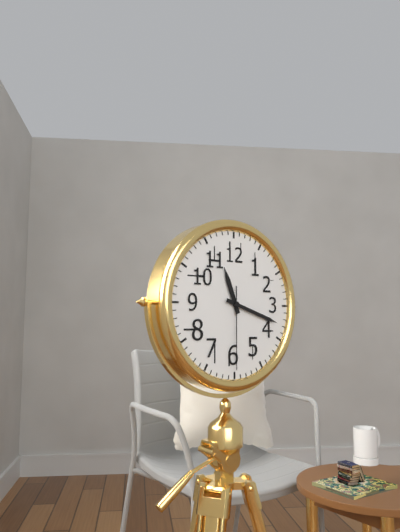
h=11 m=18 s=30
